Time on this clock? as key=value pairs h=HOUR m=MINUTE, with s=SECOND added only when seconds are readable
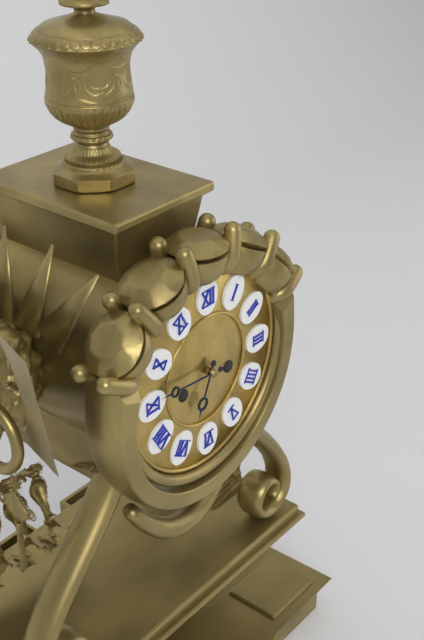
h=6 m=46
